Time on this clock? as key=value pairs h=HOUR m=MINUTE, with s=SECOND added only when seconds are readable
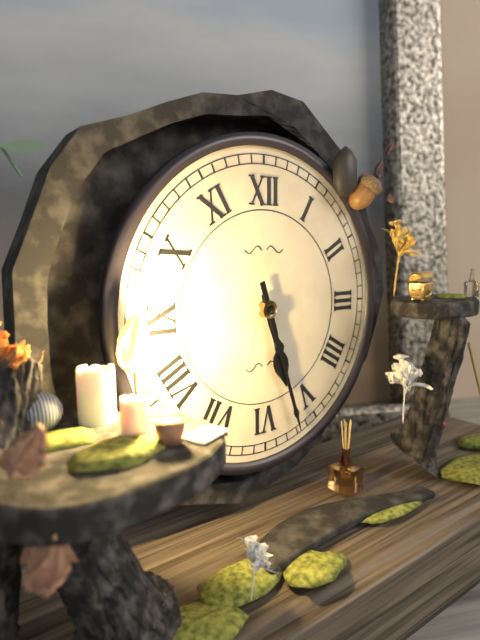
h=5 m=27
